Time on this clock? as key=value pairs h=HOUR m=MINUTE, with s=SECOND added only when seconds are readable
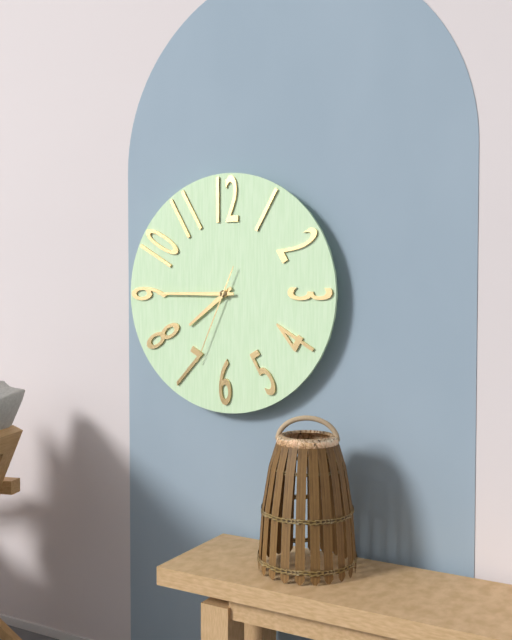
h=7 m=45 s=34
